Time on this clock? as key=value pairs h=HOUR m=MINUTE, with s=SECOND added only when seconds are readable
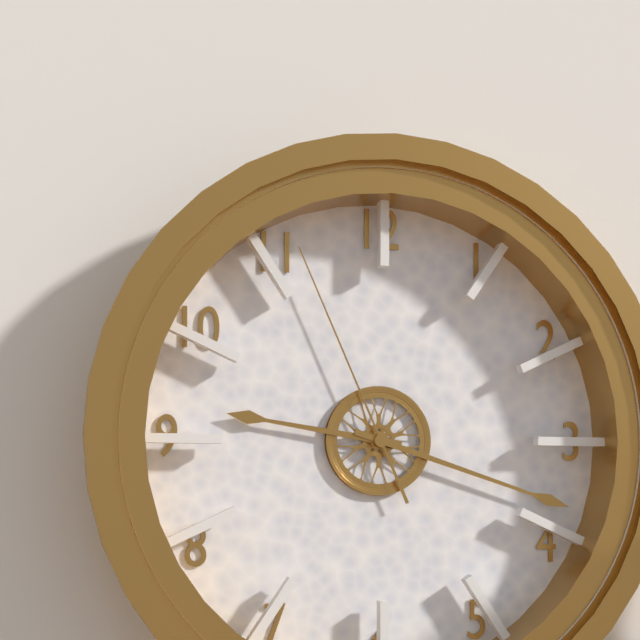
h=9 m=18 s=56
